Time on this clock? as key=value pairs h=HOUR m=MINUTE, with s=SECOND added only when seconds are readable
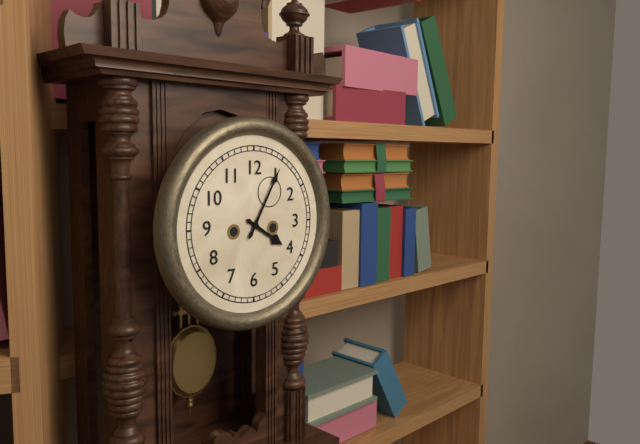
h=4 m=5
